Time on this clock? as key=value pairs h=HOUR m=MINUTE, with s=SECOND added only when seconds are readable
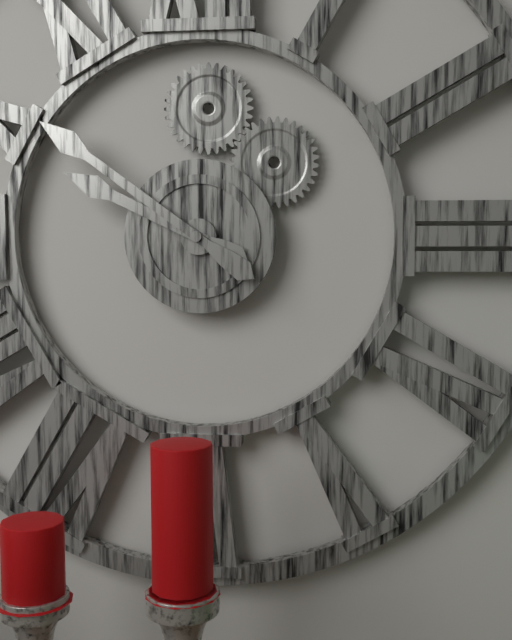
h=9 m=51
